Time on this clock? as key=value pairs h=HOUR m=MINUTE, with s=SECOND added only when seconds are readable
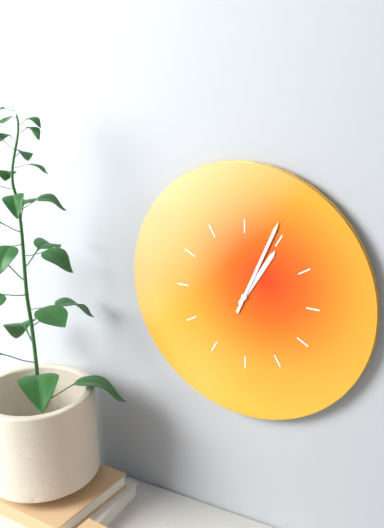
h=1 m=4
